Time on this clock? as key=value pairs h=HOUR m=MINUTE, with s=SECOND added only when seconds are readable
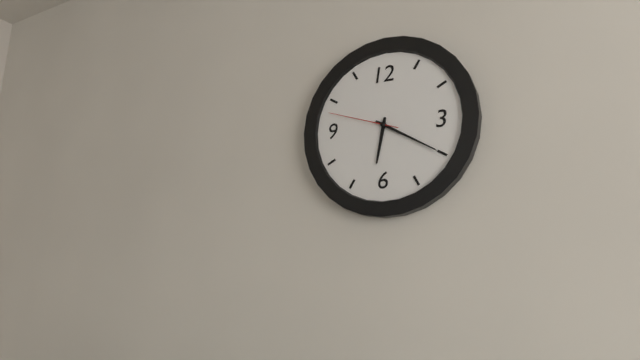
h=6 m=20 s=48
